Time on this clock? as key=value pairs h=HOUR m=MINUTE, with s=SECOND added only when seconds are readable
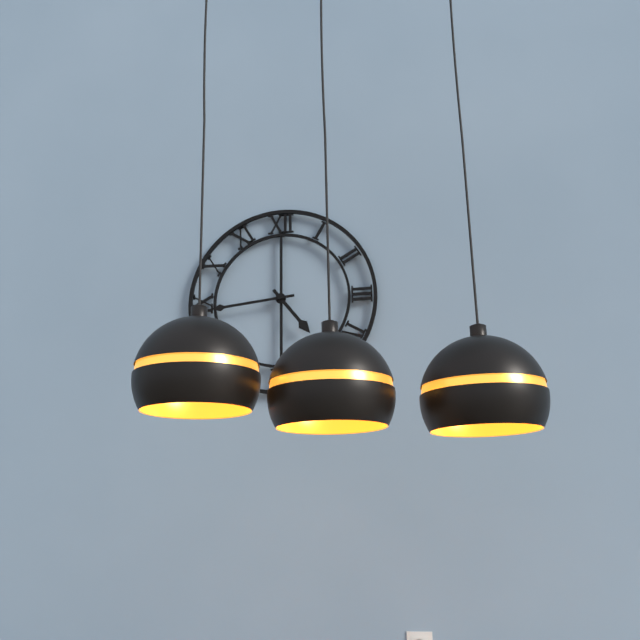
h=4 m=44
